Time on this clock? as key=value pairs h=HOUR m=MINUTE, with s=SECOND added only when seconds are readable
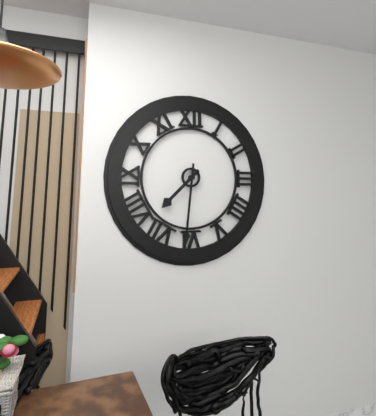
h=7 m=31
